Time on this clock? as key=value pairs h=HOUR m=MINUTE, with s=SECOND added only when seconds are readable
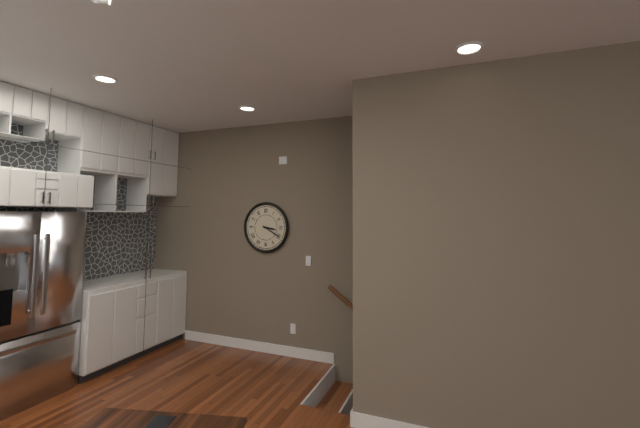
h=3 m=20
